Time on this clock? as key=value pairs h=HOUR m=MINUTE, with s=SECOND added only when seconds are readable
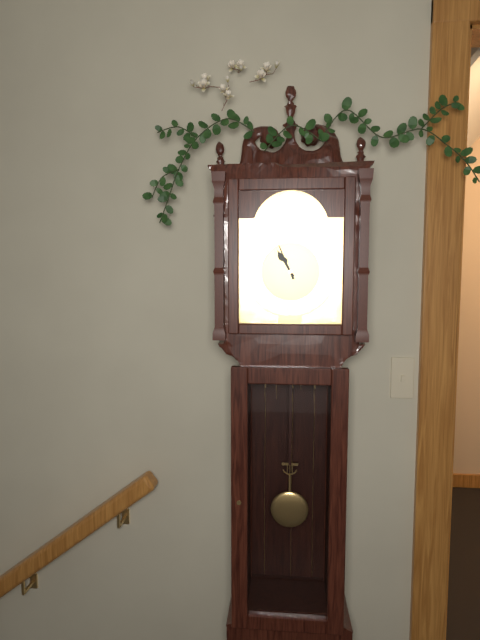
h=10 m=56
